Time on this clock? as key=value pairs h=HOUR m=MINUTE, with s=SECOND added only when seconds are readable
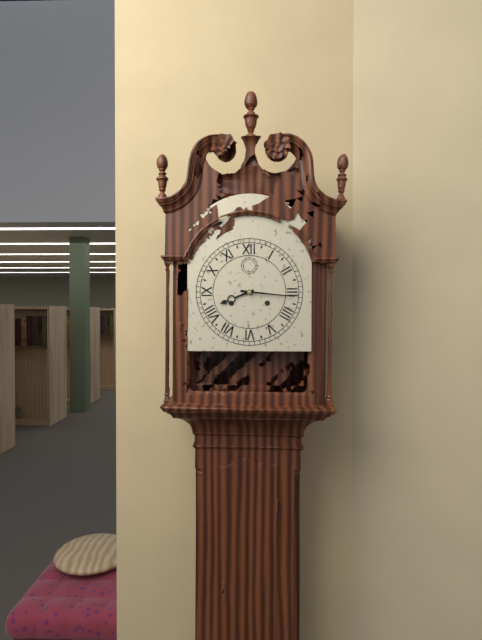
h=8 m=16
